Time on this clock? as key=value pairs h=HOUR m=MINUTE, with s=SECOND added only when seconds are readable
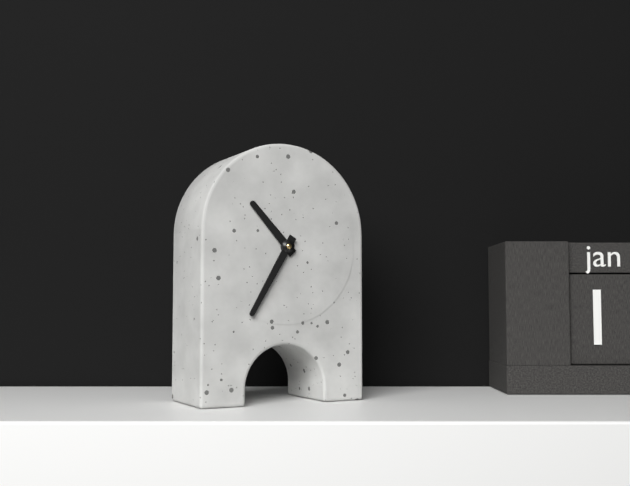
h=10 m=35
